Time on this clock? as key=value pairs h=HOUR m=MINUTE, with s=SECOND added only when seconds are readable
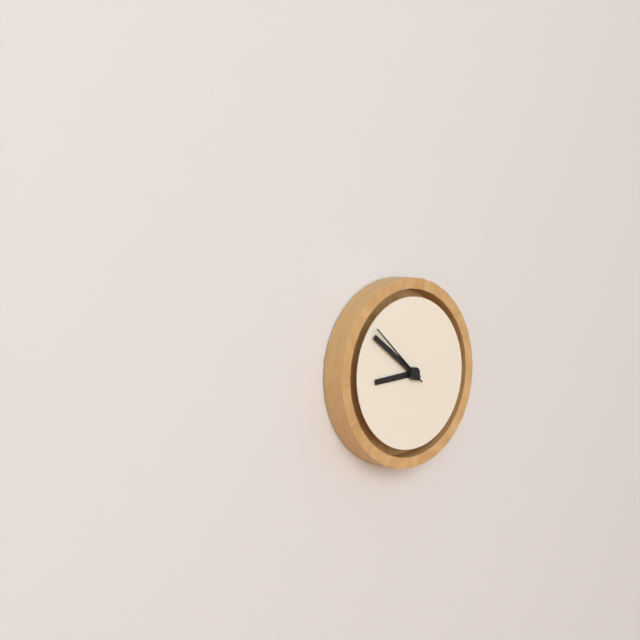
h=8 m=51 s=52
